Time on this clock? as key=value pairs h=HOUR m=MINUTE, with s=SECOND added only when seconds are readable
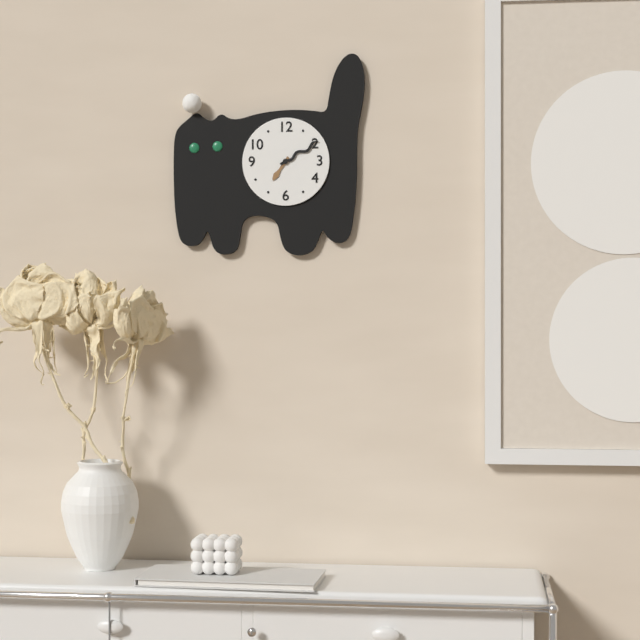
h=7 m=10
